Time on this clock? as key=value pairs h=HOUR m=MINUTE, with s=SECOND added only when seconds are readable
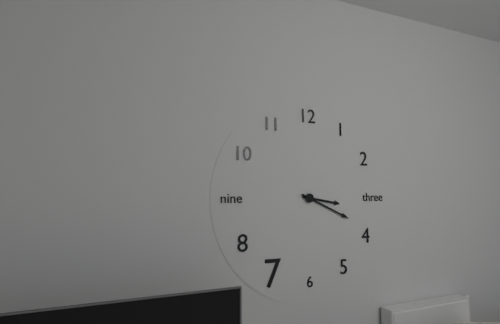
h=3 m=19
